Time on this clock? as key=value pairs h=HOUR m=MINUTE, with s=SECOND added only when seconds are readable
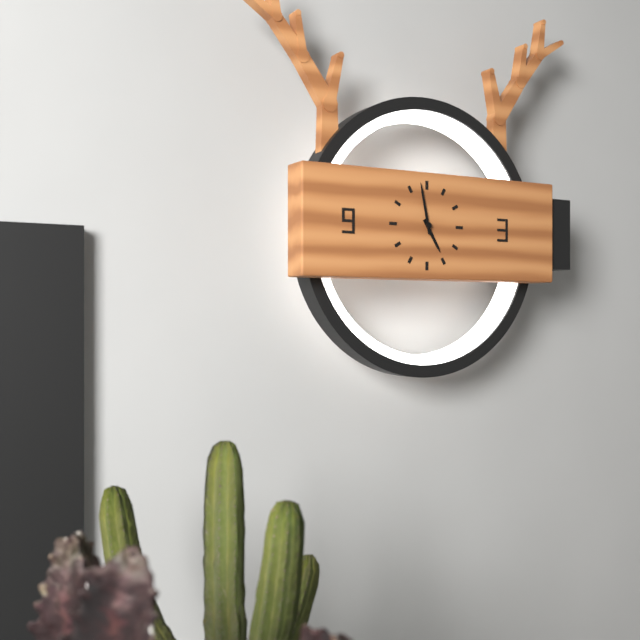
h=4 m=58
